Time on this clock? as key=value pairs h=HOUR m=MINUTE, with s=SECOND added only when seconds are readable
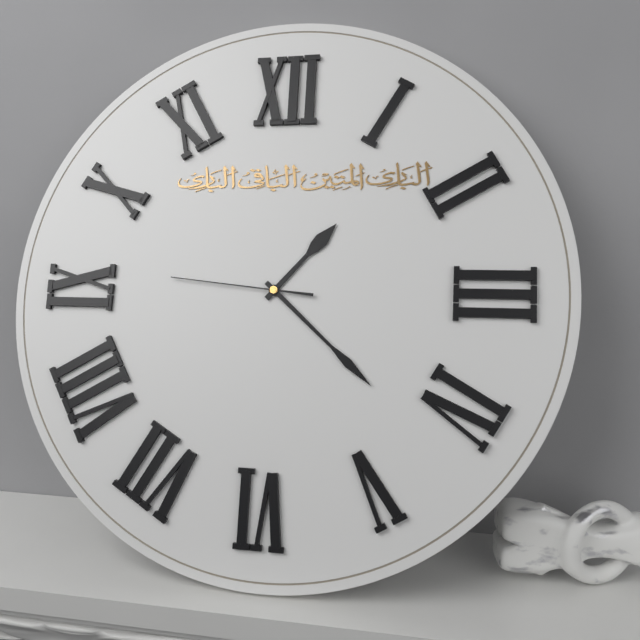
h=1 m=22 s=46
